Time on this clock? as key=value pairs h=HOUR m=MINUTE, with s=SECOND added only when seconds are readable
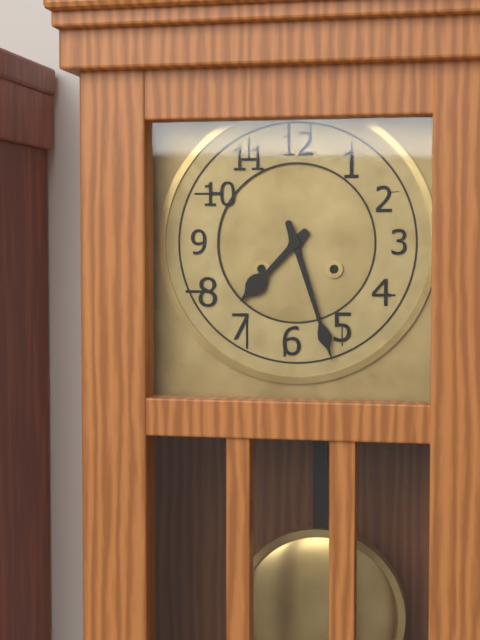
h=7 m=27
